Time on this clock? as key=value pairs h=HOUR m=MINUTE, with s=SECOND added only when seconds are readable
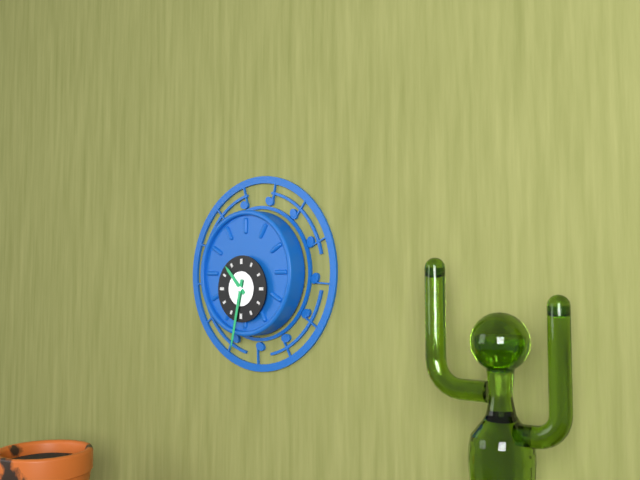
h=10 m=32
